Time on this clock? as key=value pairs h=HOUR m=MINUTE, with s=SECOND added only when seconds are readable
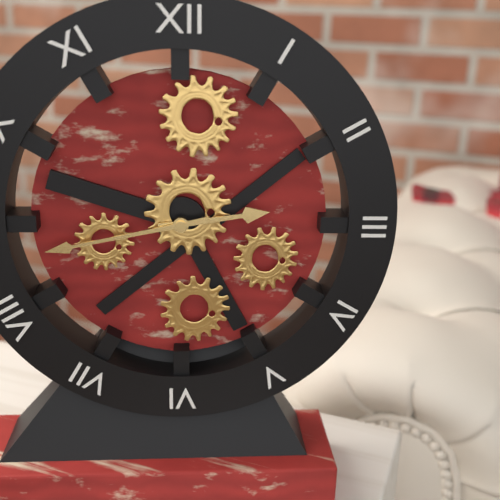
h=2 m=43
